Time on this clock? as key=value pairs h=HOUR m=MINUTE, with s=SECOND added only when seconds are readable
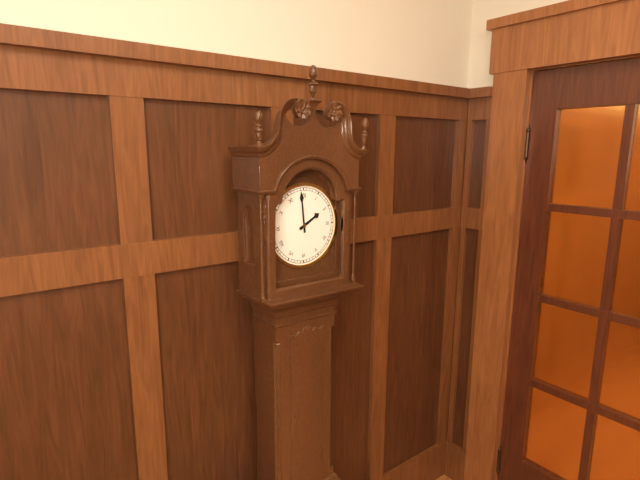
h=1 m=59
